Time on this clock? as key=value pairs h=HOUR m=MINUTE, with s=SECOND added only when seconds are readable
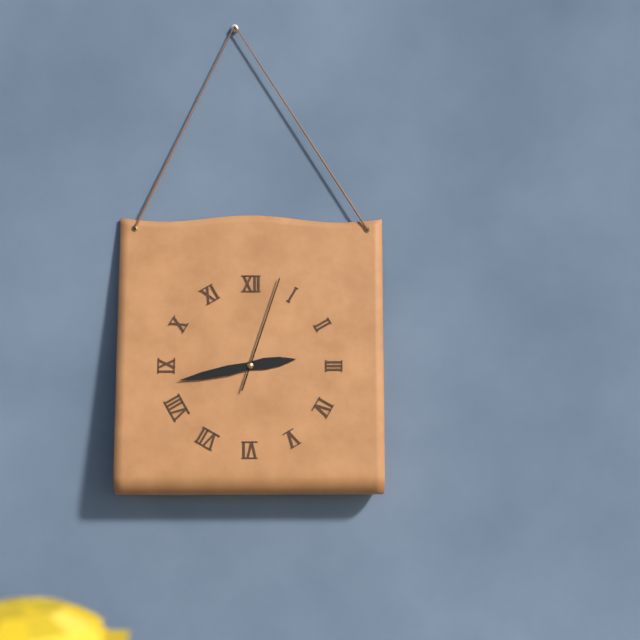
h=2 m=43 s=3
